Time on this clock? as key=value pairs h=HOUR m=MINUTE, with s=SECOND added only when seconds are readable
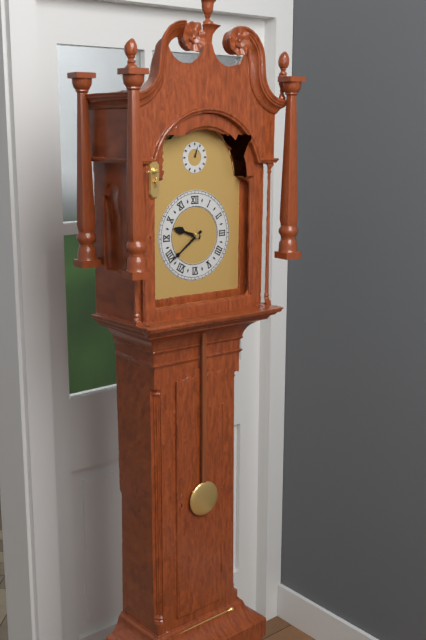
h=9 m=39
